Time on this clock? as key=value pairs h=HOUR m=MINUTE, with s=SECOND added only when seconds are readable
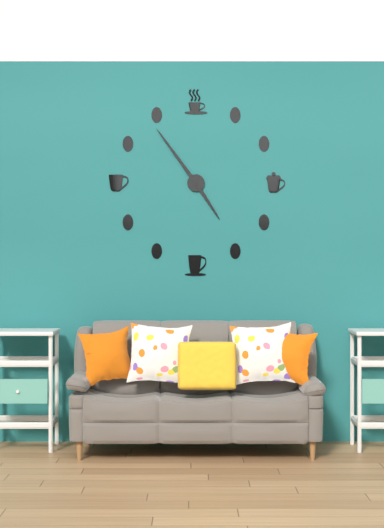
h=4 m=54
